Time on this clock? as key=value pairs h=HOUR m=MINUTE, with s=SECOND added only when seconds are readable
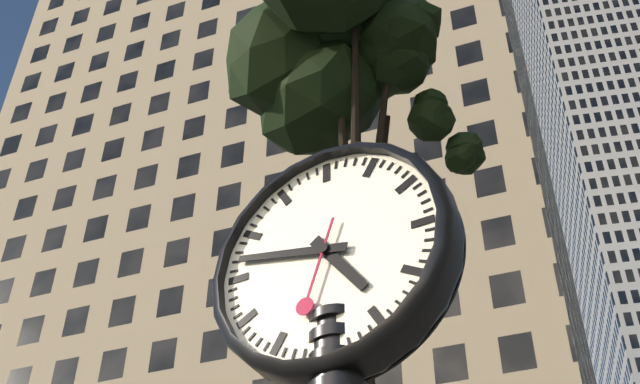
h=4 m=47 s=33
